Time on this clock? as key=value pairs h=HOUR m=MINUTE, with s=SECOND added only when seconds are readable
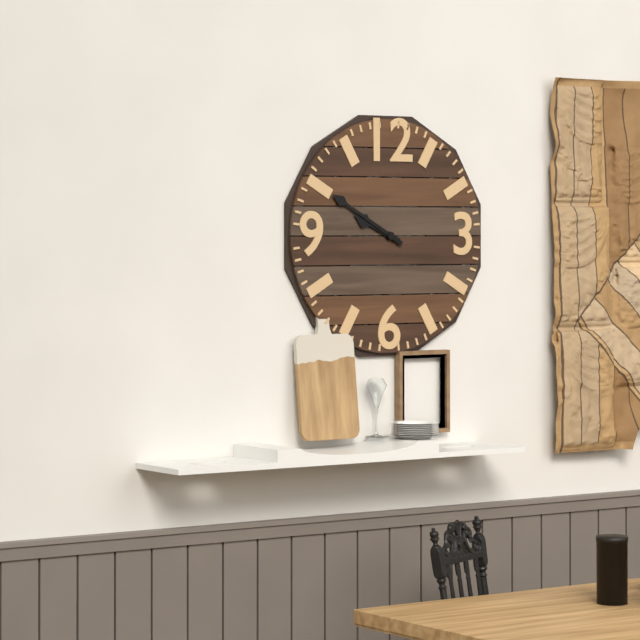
h=9 m=50
